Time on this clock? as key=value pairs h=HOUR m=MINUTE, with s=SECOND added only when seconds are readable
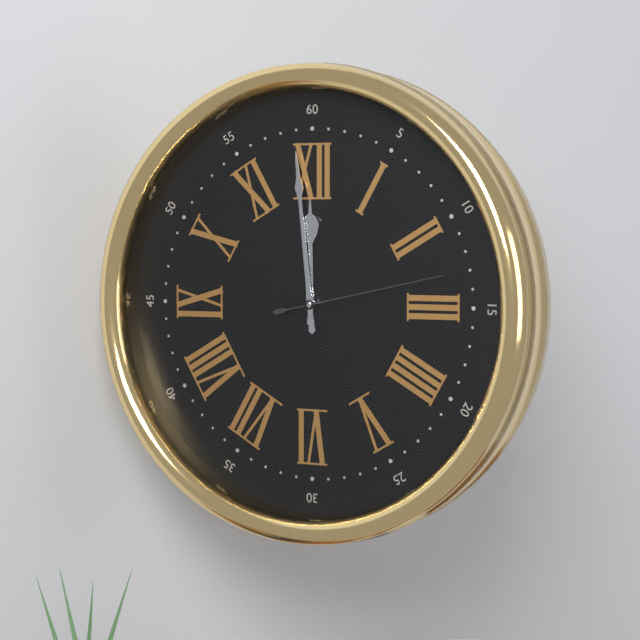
h=11 m=59 s=13
